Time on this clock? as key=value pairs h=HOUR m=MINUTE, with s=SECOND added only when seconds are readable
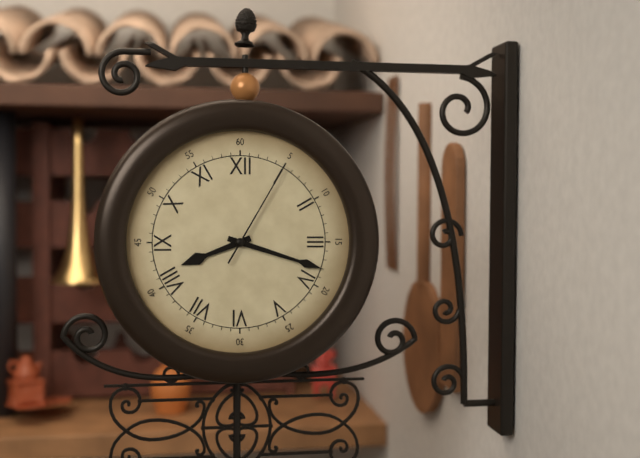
h=8 m=18 s=5
